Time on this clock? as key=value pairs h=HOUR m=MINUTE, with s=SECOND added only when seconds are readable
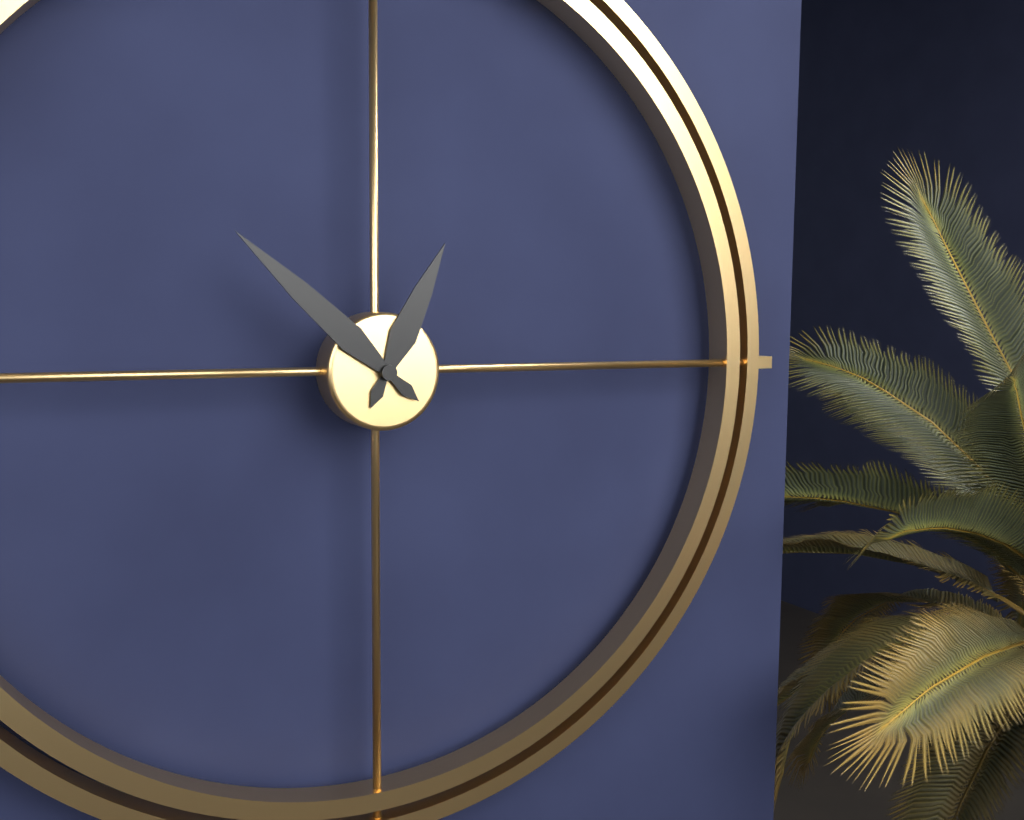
h=12 m=52
